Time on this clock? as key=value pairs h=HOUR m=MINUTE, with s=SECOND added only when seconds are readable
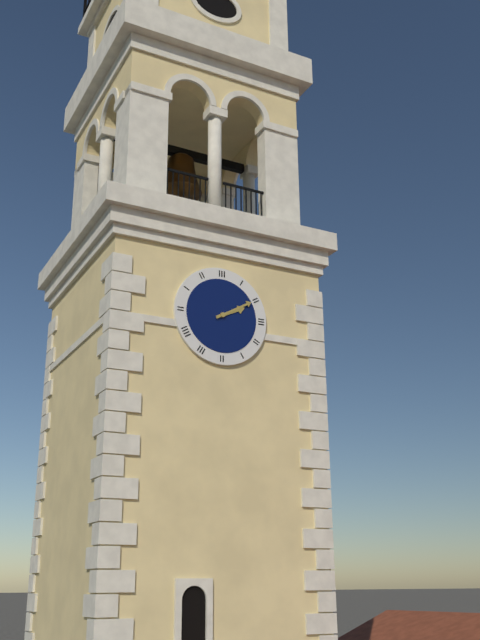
h=2 m=10
